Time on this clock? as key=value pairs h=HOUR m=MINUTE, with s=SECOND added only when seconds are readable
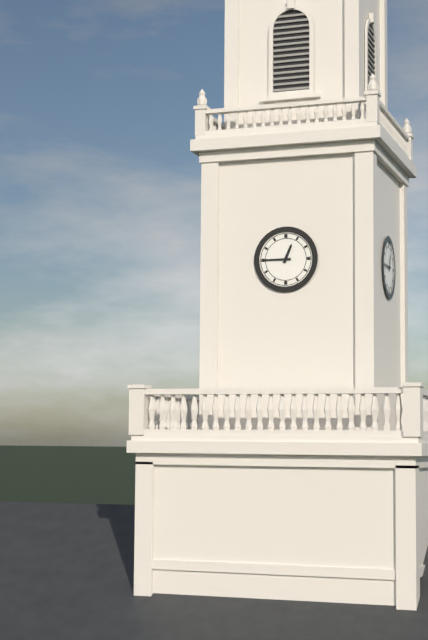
h=12 m=45
